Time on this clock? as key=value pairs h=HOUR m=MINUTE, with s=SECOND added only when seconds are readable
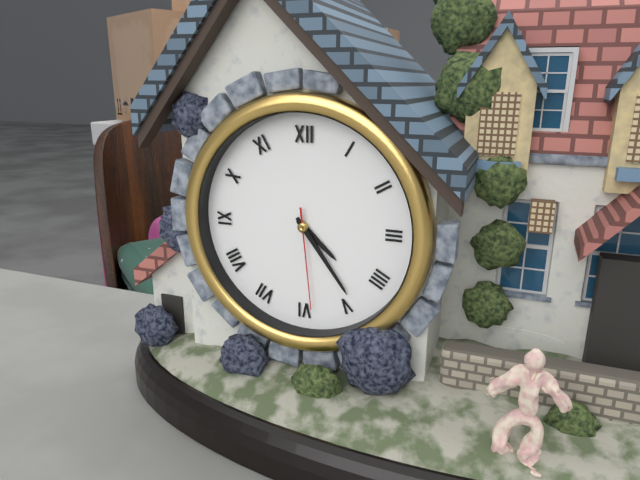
h=4 m=24 s=29
